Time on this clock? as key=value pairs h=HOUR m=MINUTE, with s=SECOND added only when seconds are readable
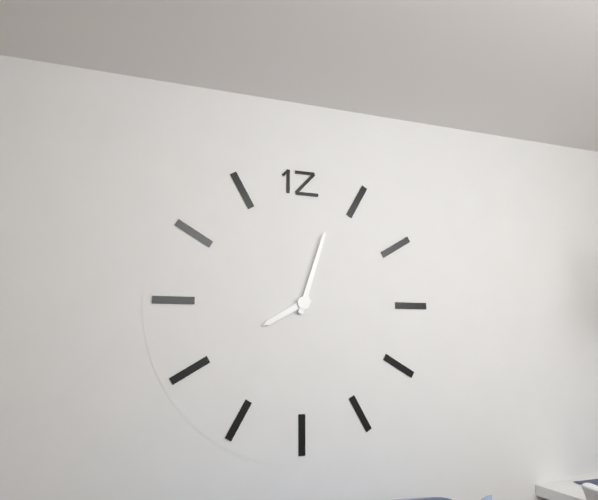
h=8 m=3
